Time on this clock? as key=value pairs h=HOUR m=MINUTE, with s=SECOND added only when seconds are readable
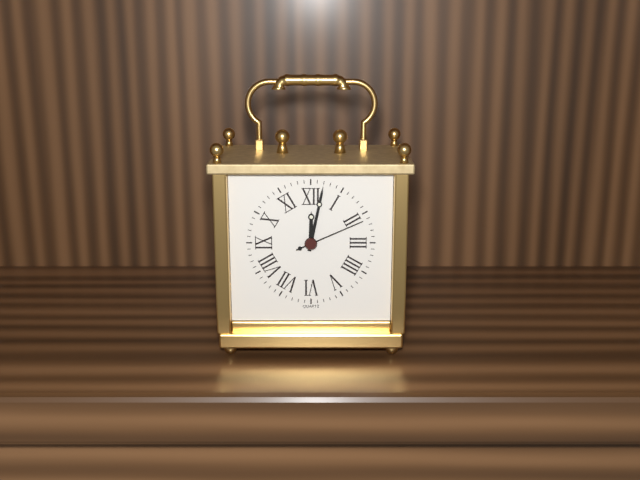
h=12 m=2 s=11
